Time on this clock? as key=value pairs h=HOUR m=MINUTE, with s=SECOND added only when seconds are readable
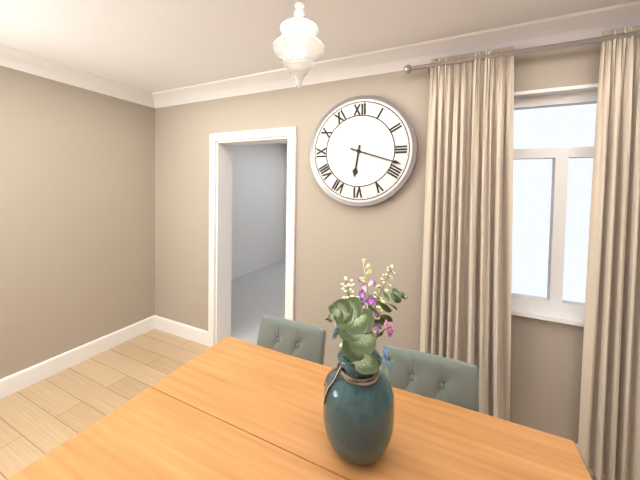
h=6 m=18
